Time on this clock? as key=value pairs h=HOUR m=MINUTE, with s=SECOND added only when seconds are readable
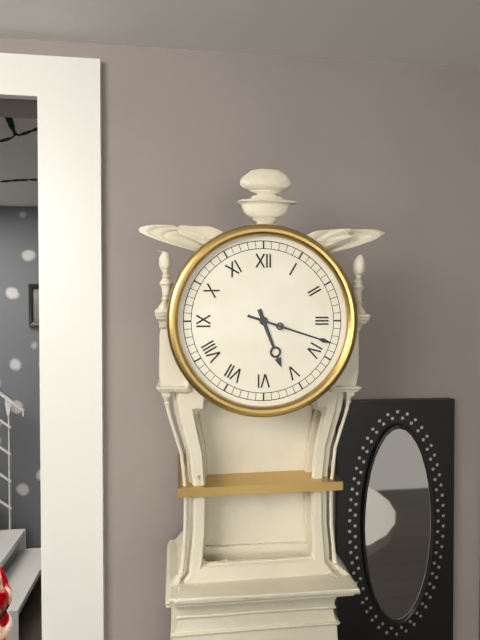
h=5 m=18
